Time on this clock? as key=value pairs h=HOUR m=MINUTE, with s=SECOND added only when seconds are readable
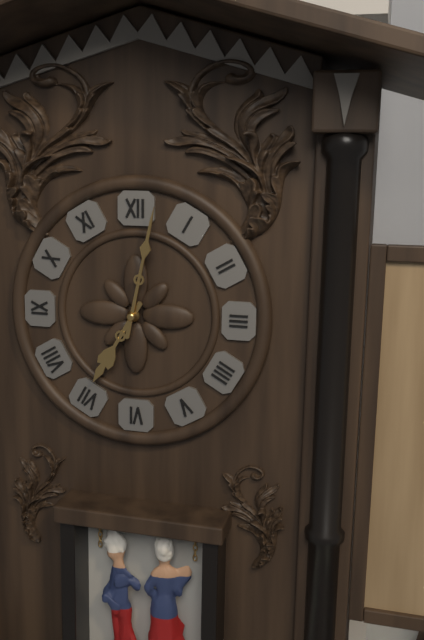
h=7 m=2
